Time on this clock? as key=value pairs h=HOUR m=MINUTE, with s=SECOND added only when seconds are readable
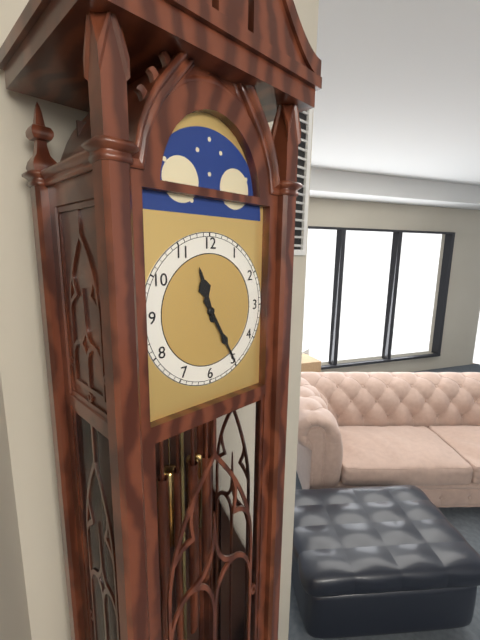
h=11 m=25
